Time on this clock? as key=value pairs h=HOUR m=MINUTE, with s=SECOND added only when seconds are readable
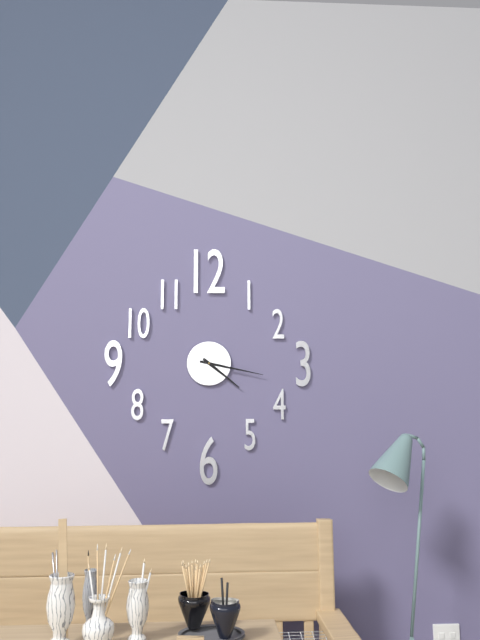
h=4 m=17
